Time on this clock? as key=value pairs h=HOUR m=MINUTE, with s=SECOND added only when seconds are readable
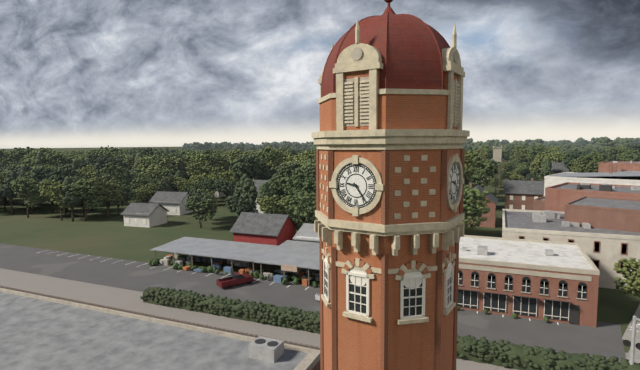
h=9 m=24
